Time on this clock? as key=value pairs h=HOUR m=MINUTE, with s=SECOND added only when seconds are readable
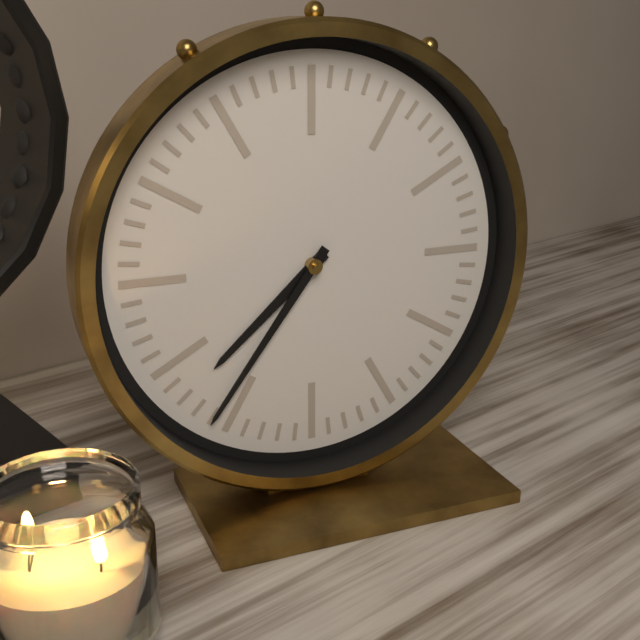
h=7 m=36
